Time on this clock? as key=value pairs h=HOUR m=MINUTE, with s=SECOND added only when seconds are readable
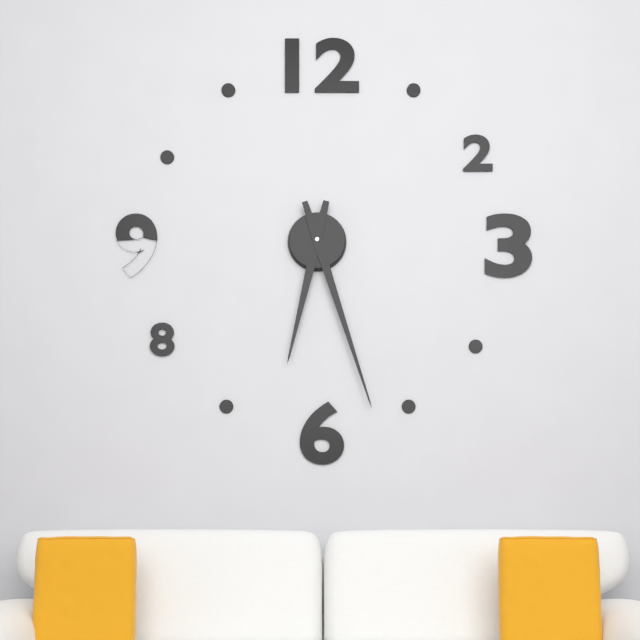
h=6 m=27
